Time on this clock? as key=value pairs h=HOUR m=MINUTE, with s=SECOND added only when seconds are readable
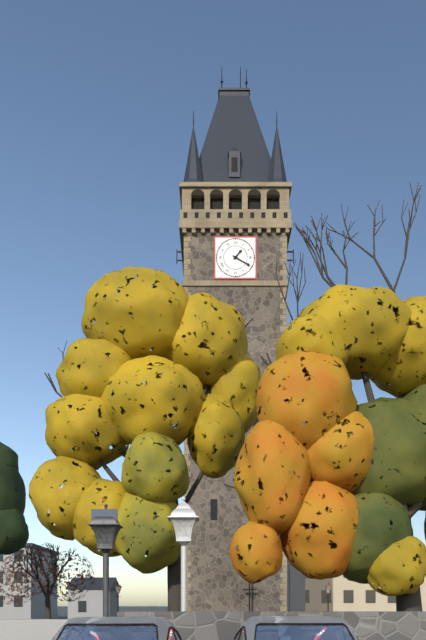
h=1 m=20
